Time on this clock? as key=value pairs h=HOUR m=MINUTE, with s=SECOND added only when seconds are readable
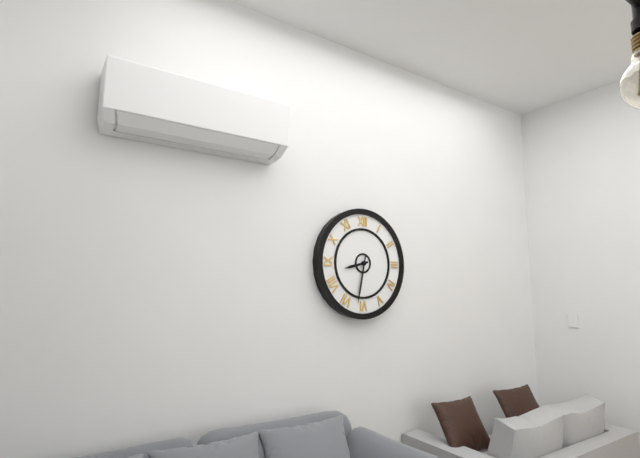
h=8 m=32
